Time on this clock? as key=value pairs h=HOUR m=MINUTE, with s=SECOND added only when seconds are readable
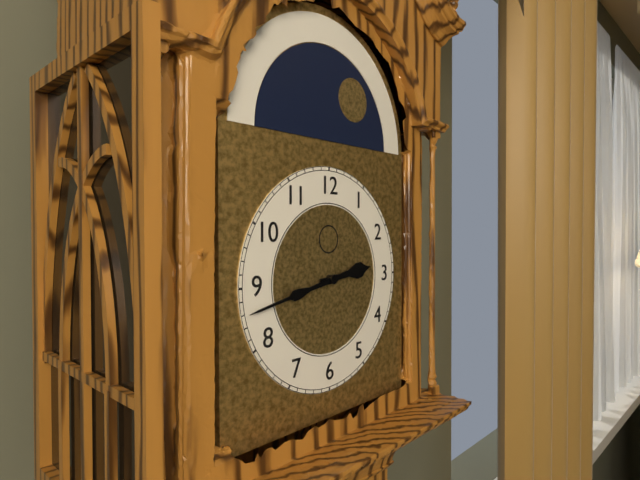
h=2 m=43
